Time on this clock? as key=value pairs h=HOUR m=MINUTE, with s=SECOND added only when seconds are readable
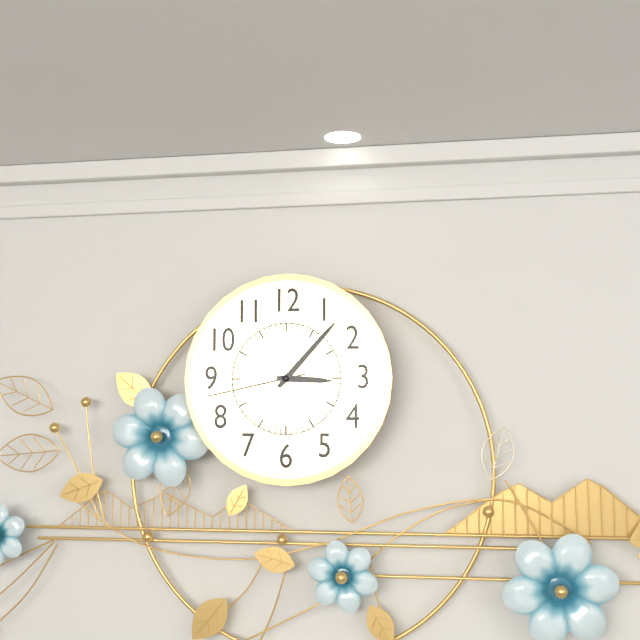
h=3 m=7 s=43
